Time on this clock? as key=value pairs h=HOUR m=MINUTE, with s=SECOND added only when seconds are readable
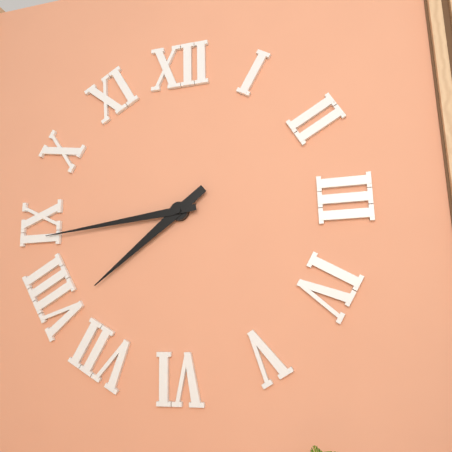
h=7 m=44
